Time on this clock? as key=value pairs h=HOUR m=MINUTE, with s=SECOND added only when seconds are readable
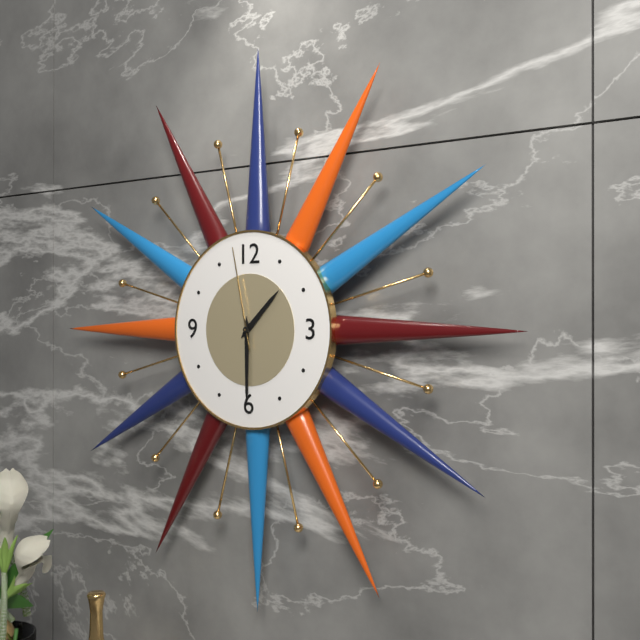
h=1 m=30 s=58
